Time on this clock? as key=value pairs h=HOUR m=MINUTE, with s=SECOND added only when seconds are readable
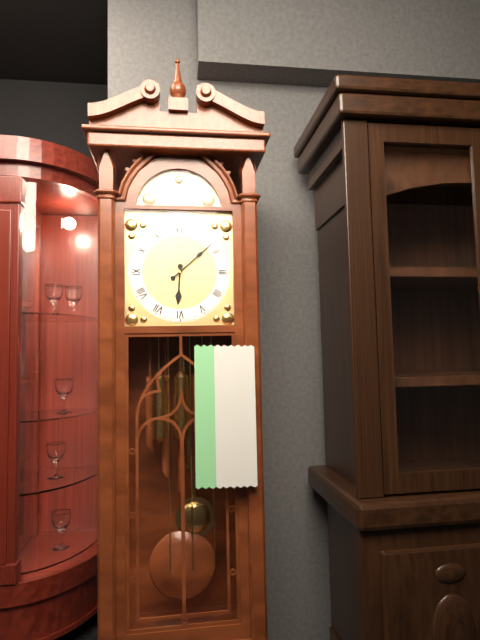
h=6 m=8
